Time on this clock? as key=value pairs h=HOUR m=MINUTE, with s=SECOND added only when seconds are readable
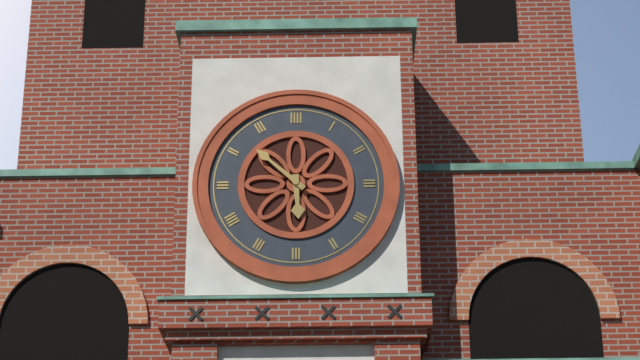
h=5 m=52
